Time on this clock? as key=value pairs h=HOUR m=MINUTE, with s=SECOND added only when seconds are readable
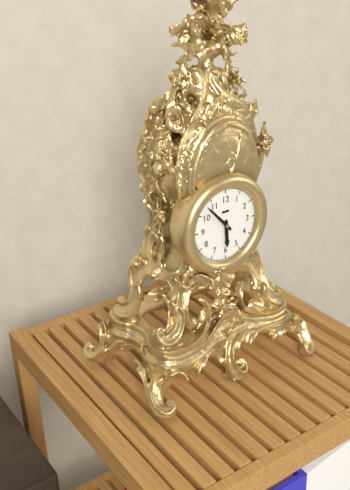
h=5 m=53
